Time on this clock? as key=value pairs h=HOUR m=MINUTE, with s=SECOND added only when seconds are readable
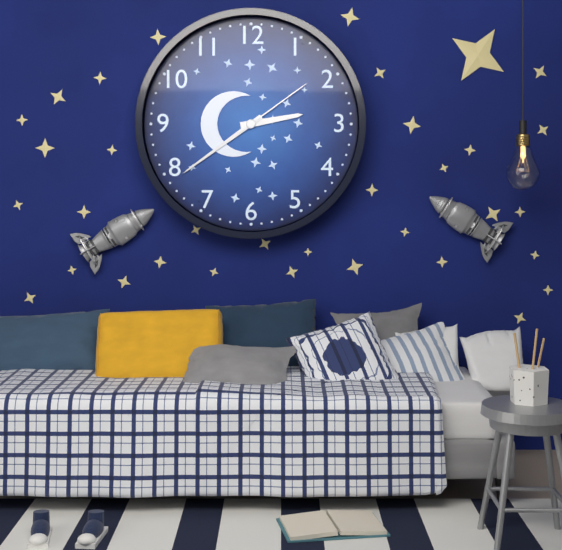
h=2 m=39 s=9
